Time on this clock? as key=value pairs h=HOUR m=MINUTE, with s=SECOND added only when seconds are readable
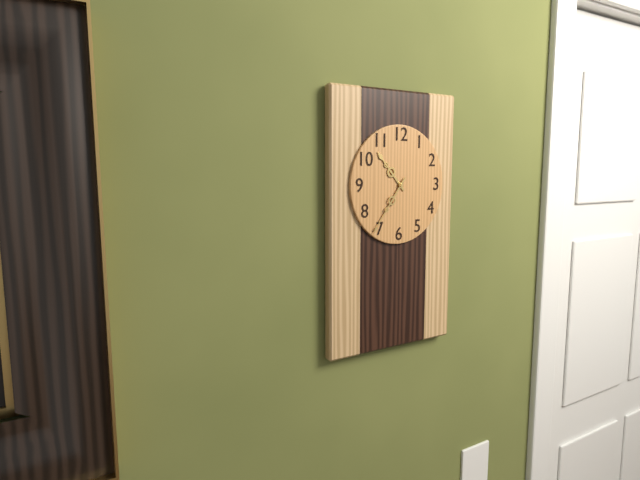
h=10 m=36
